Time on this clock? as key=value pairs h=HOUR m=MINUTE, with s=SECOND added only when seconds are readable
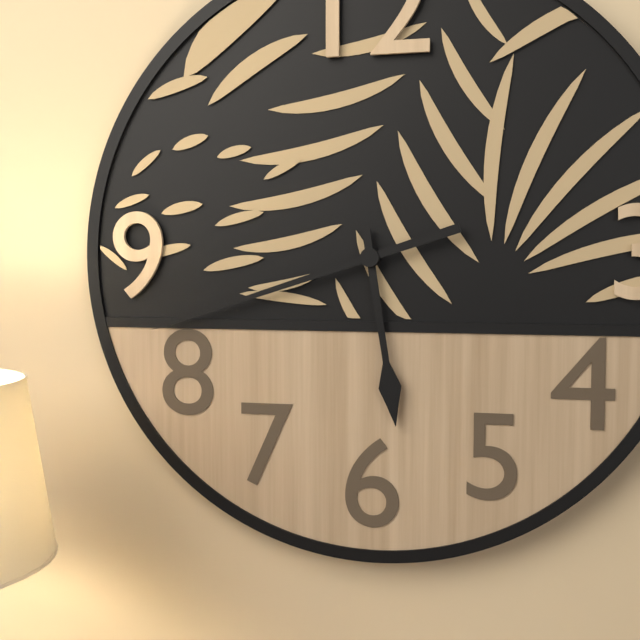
h=5 m=42
